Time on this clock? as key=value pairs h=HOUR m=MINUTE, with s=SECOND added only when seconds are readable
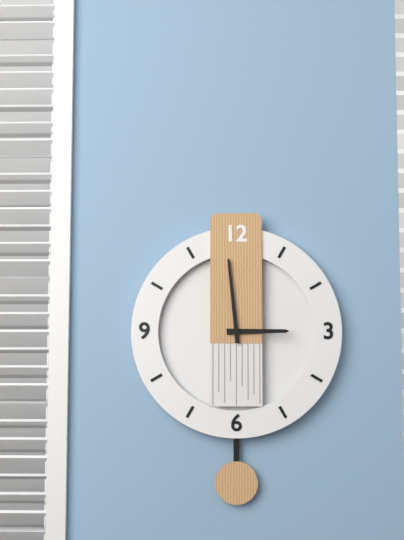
h=2 m=59
